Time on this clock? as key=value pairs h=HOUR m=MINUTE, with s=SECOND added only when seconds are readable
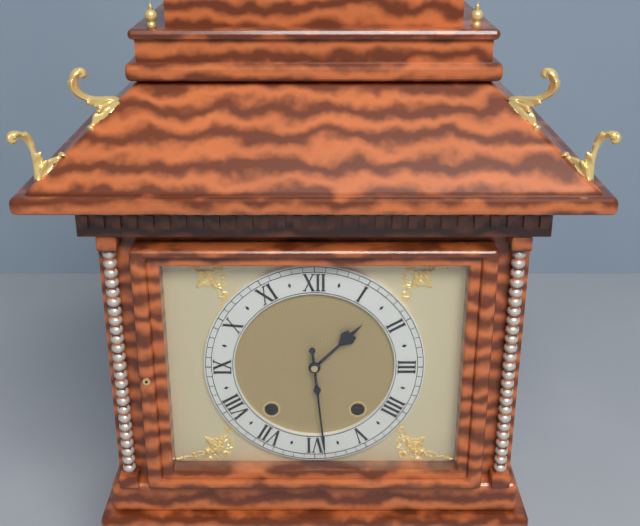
h=1 m=29
